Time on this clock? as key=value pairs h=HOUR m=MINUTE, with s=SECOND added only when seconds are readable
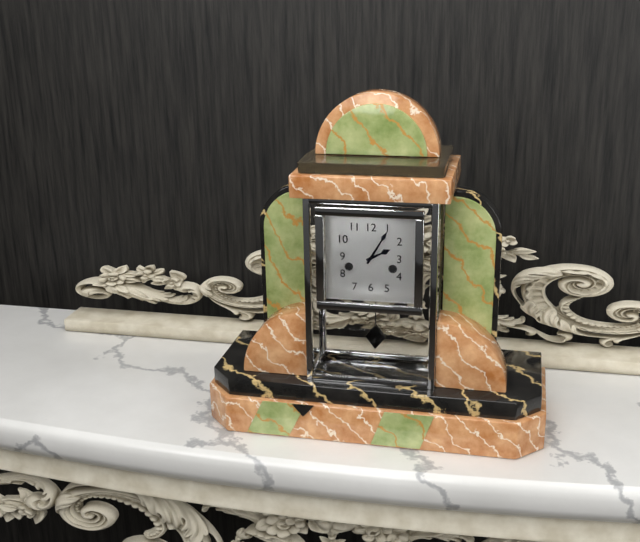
h=2 m=5
